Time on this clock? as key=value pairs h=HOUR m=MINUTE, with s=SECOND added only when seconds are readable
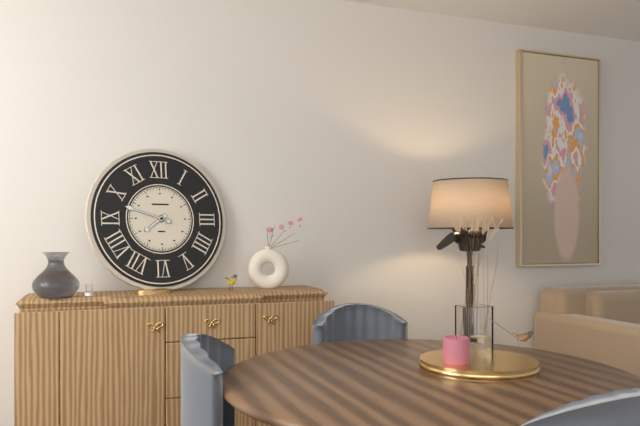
h=7 m=48
